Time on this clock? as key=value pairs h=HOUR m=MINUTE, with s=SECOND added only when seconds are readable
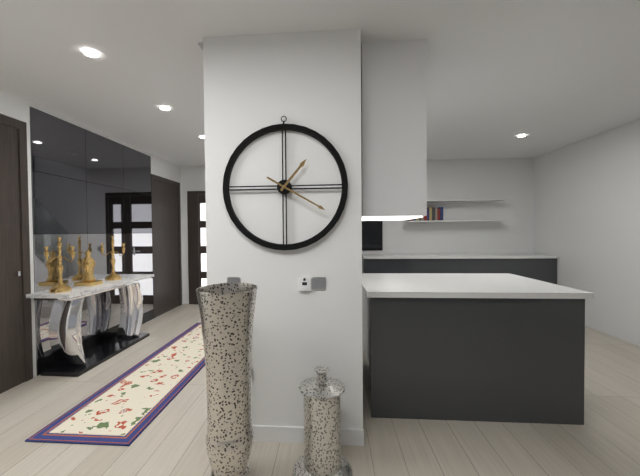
h=1 m=20
